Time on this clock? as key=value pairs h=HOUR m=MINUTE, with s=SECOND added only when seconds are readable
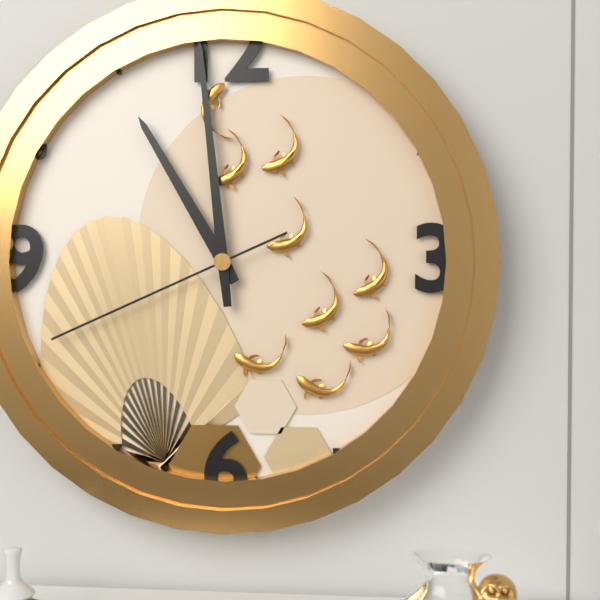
h=10 m=59 s=41
